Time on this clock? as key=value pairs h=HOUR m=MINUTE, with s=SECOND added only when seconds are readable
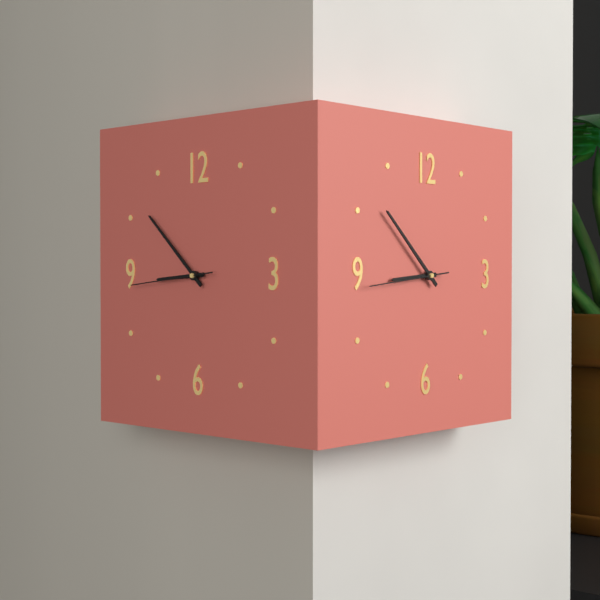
h=8 m=52 s=44
